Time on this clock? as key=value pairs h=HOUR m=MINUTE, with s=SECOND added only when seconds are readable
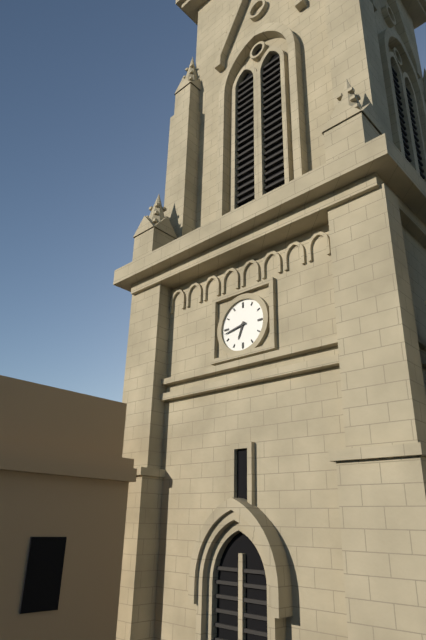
h=6 m=43
